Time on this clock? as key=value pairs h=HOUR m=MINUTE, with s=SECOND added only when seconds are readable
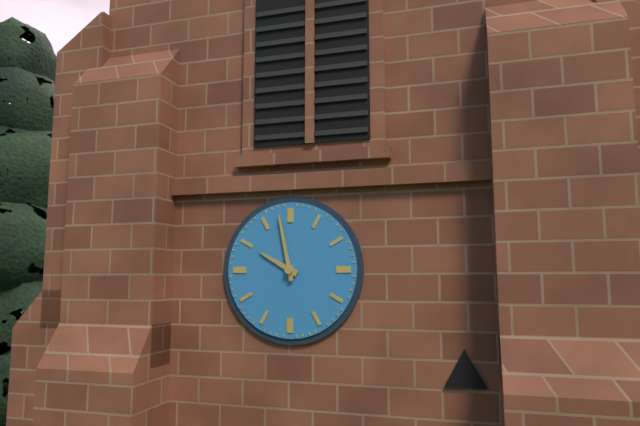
h=9 m=58
